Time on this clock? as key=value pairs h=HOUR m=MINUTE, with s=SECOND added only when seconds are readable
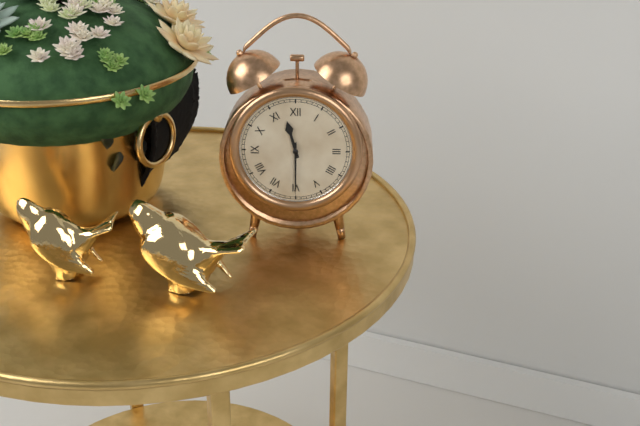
h=11 m=30
